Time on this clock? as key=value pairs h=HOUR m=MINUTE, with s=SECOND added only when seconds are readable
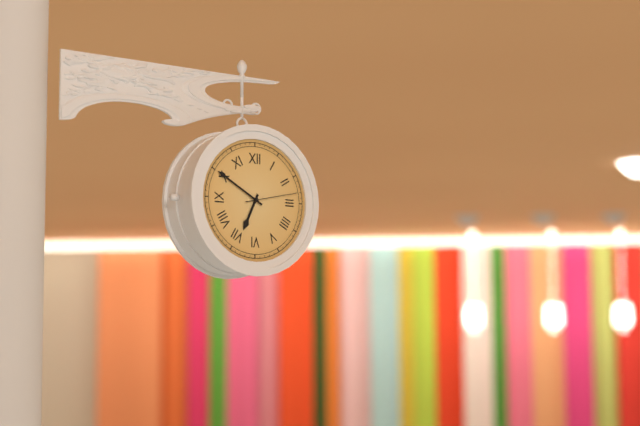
h=6 m=50 s=13
